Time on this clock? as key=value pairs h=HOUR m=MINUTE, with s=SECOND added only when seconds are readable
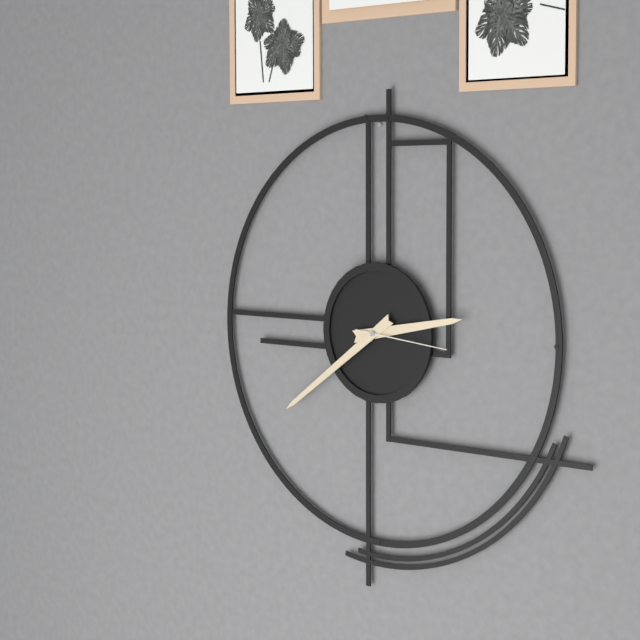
h=2 m=39 s=16
